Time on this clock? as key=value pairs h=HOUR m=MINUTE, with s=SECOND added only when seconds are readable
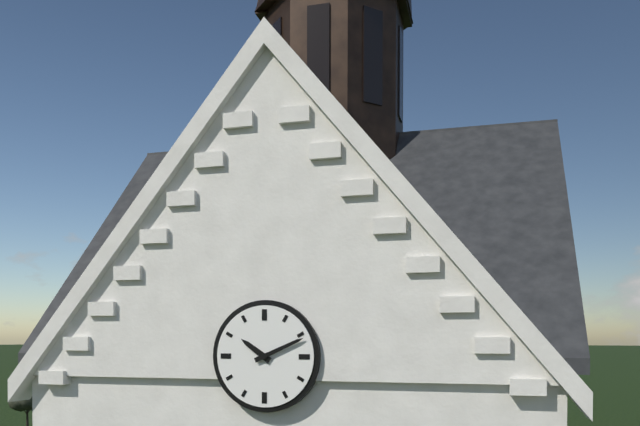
h=10 m=11
